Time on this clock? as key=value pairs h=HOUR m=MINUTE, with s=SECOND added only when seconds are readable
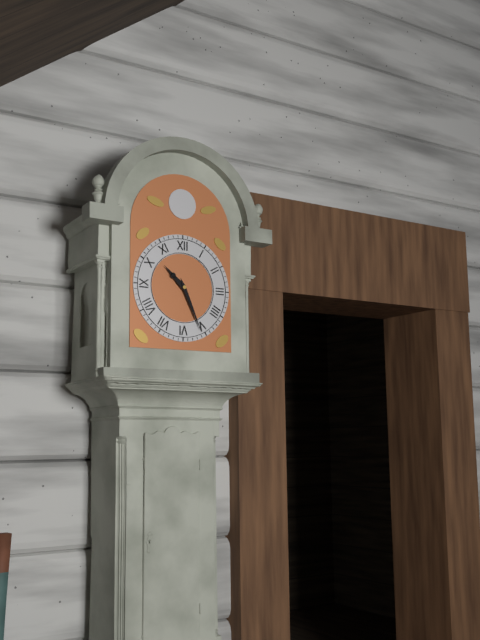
h=10 m=26
